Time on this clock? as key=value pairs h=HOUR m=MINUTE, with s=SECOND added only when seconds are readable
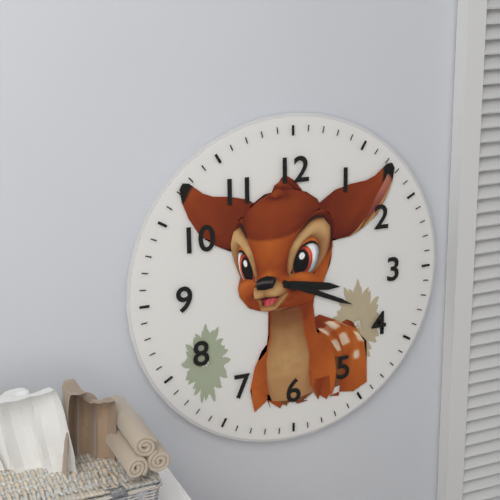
h=3 m=19
